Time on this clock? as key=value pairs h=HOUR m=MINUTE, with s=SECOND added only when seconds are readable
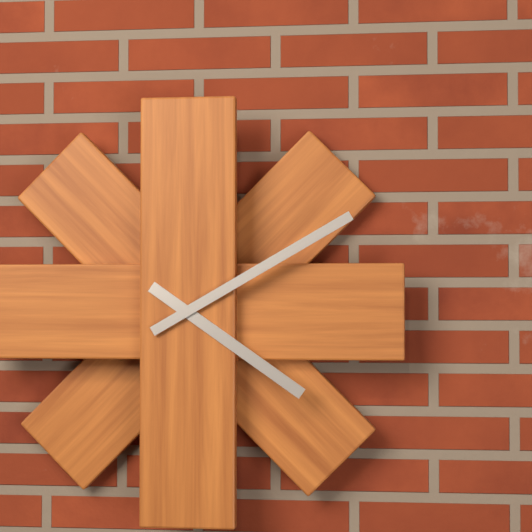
h=4 m=10
